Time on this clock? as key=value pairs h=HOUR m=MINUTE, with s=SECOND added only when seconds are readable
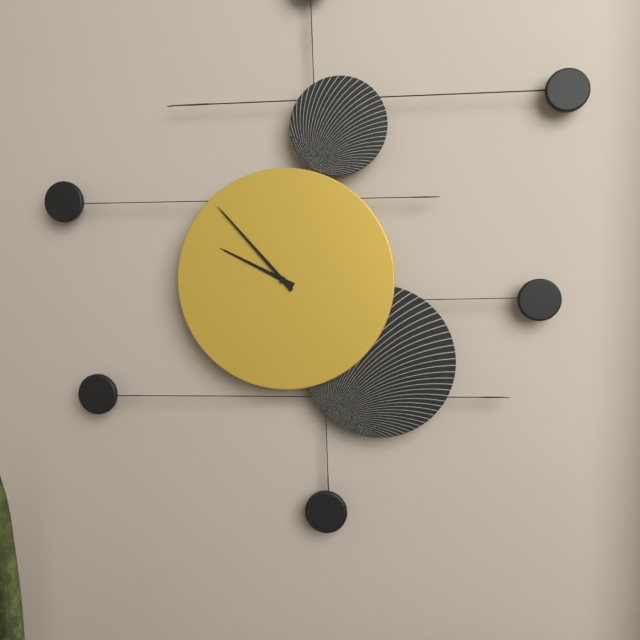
h=9 m=53
